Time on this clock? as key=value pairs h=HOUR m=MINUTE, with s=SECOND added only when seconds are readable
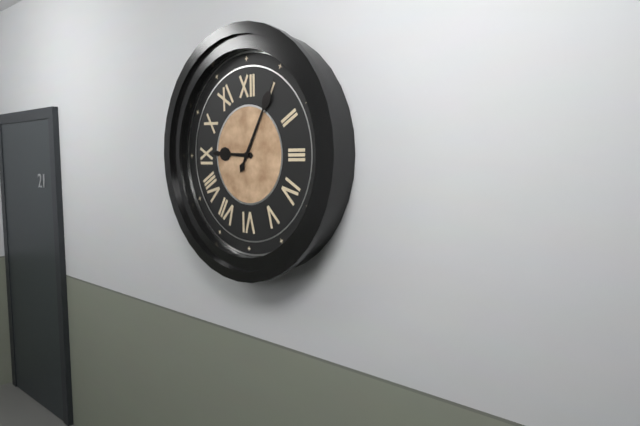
h=9 m=5
